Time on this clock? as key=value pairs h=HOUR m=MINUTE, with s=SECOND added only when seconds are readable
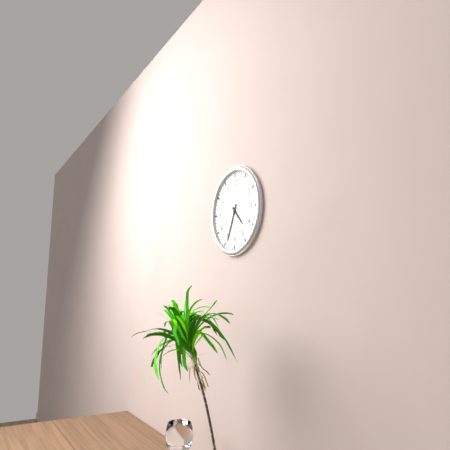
h=4 m=34
